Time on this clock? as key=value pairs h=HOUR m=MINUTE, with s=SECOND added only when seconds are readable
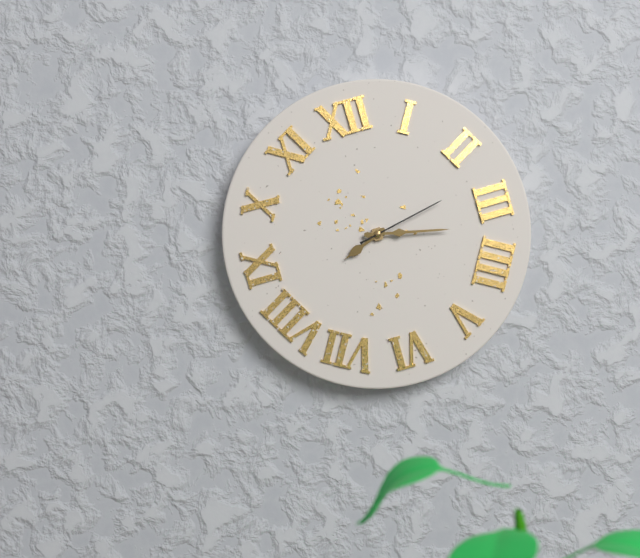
h=8 m=17 s=13
